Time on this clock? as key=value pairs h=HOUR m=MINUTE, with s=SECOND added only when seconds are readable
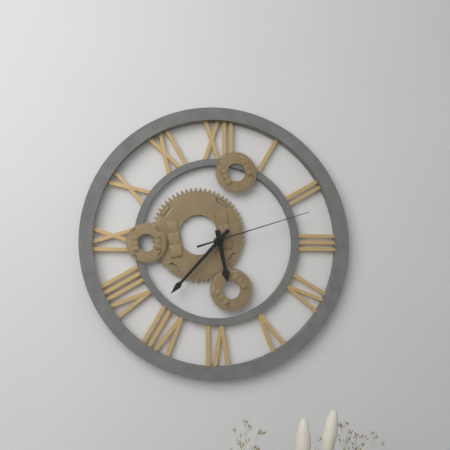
h=5 m=37 s=12
